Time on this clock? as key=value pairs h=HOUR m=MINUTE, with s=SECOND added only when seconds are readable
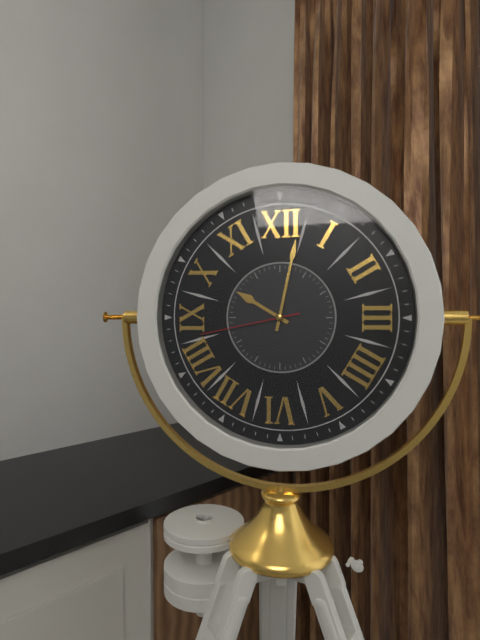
h=10 m=2 s=43
